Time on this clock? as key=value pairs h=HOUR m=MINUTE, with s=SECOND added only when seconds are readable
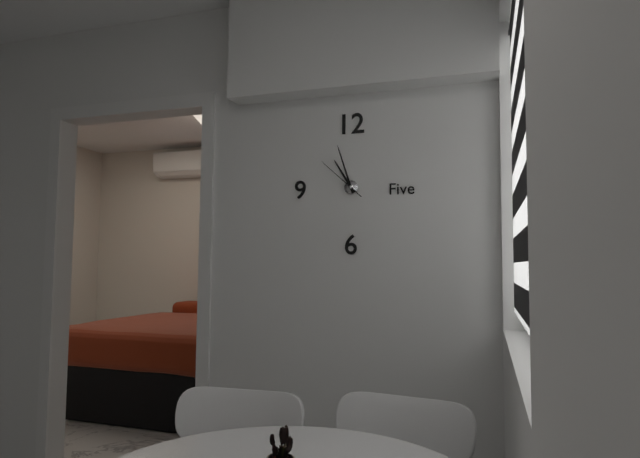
h=10 m=57
